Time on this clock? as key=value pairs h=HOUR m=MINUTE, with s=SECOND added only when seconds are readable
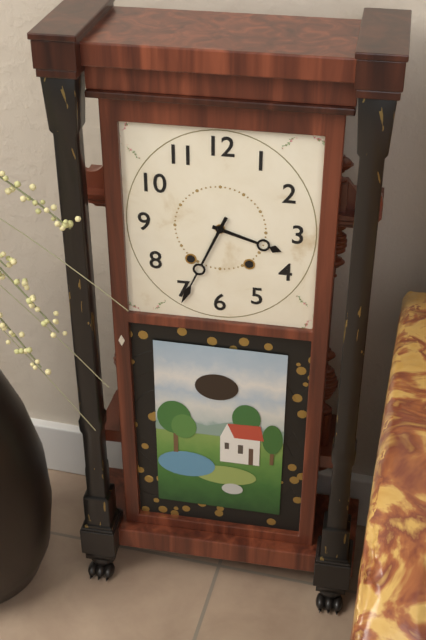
h=3 m=34
